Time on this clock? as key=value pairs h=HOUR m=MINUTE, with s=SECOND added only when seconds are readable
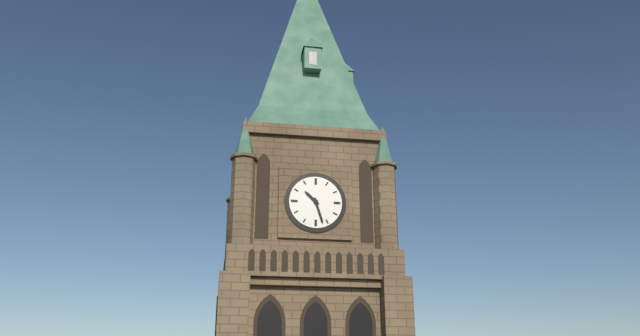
h=10 m=27
